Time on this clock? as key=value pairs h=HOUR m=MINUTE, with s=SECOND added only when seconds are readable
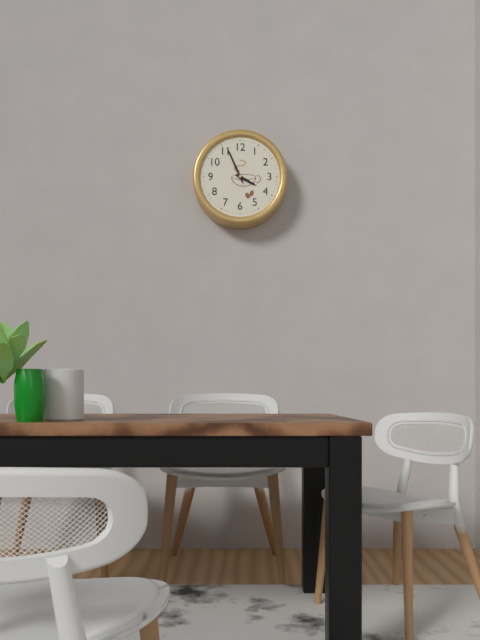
h=3 m=56
